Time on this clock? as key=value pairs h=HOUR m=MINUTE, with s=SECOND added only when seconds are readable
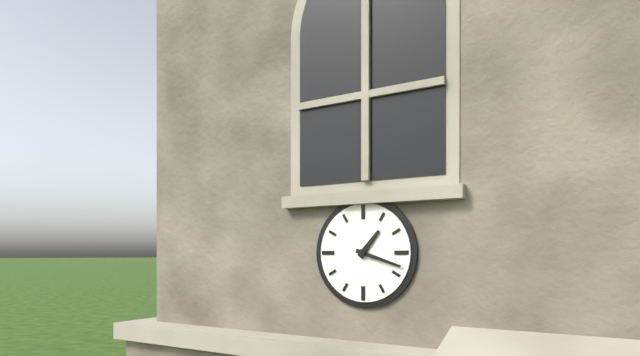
h=1 m=18
